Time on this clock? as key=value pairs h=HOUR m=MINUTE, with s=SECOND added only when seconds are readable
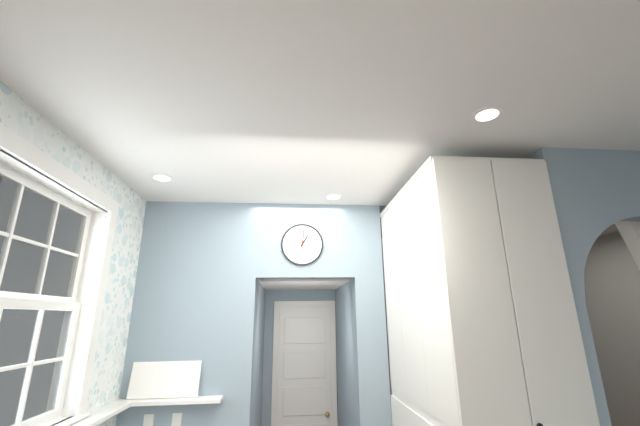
h=1 m=1
